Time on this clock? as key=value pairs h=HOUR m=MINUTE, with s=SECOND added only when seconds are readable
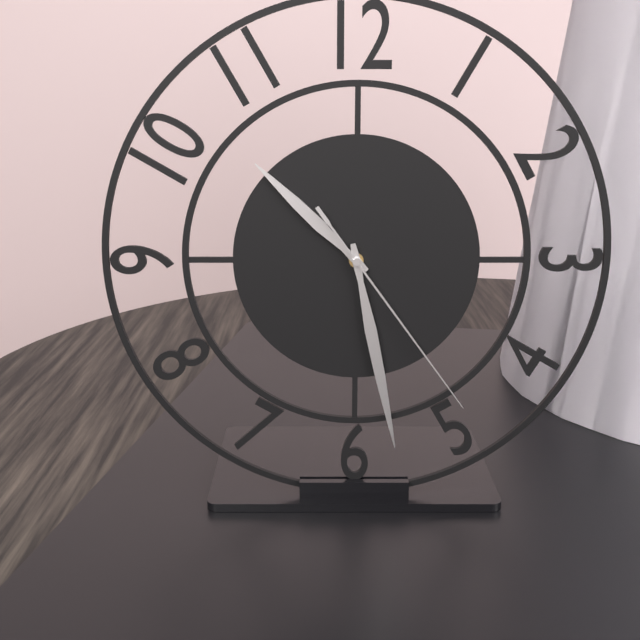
h=10 m=28 s=24
